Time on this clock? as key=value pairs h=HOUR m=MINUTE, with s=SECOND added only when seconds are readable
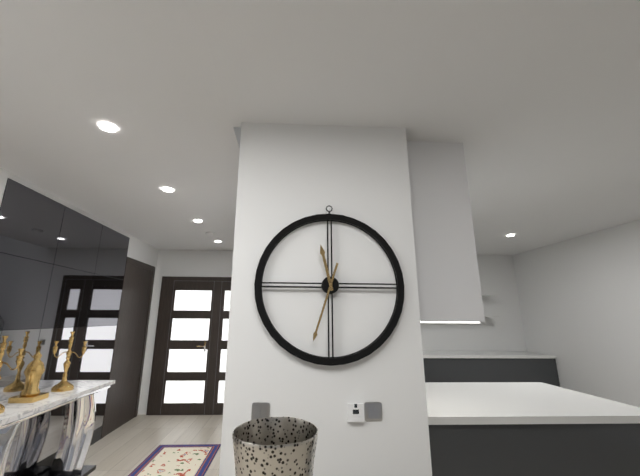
h=11 m=33
